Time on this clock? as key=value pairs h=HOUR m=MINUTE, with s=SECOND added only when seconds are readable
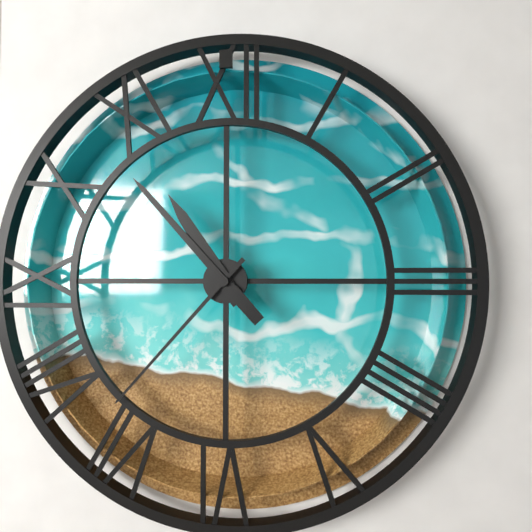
h=10 m=53 s=37
